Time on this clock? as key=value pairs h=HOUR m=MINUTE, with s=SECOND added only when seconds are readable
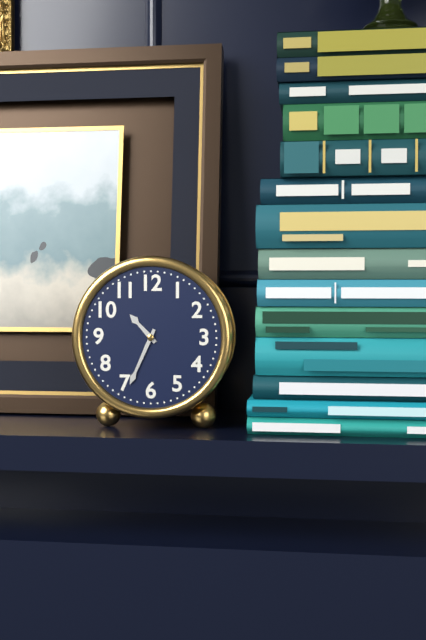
h=10 m=34
